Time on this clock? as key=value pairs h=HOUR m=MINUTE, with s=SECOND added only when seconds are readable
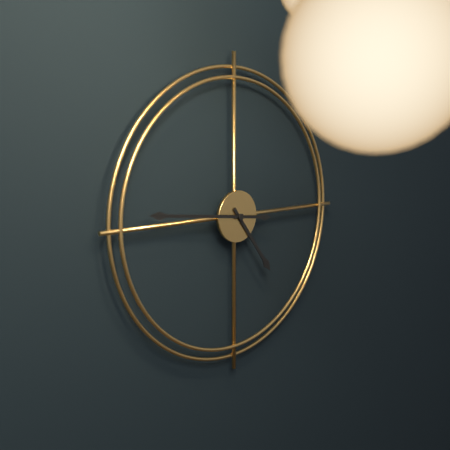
h=4 m=46
